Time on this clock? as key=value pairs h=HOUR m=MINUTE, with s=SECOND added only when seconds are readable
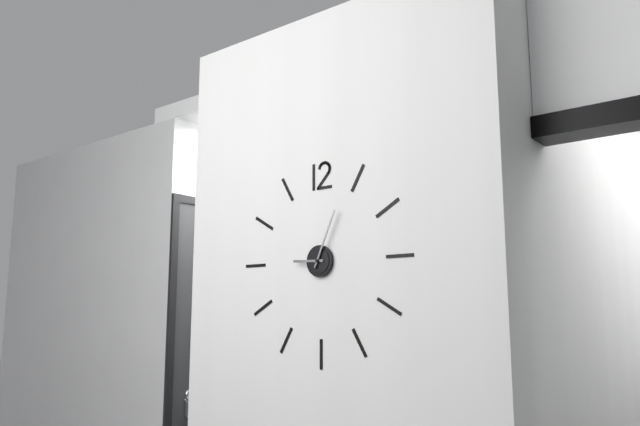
h=9 m=4
